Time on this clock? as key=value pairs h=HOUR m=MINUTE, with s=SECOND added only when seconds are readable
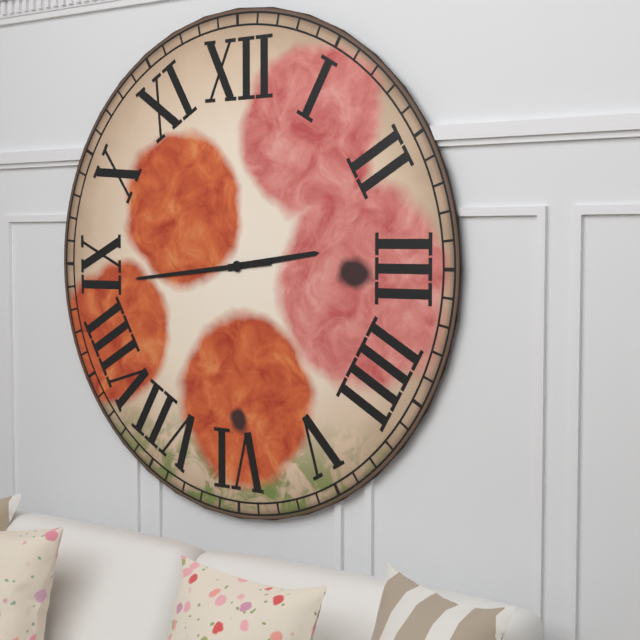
h=2 m=44
